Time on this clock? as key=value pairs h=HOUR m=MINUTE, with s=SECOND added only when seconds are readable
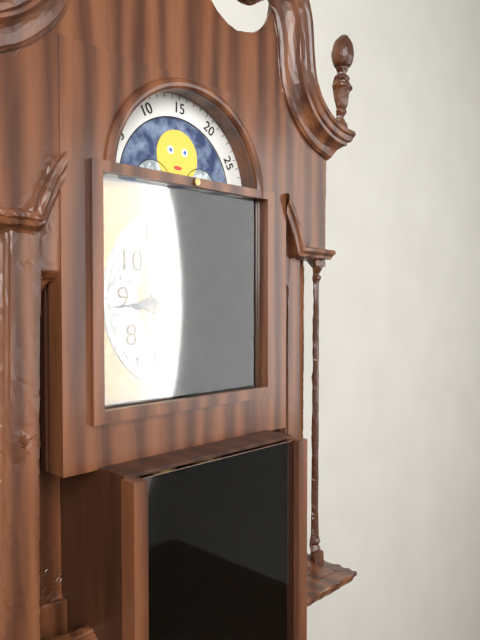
h=8 m=44
